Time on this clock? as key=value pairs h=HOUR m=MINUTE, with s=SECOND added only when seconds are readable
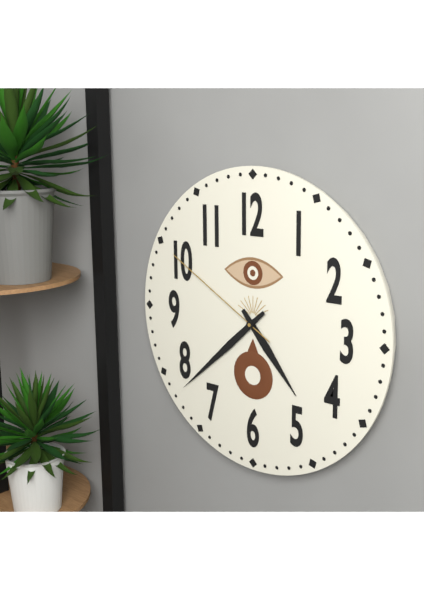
h=4 m=38 s=50
